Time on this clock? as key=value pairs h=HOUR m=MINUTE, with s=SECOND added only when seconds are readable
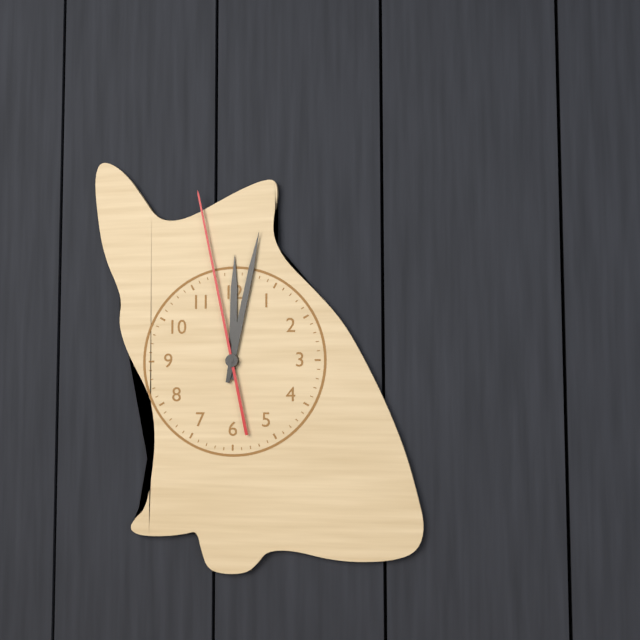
h=12 m=2 s=58
